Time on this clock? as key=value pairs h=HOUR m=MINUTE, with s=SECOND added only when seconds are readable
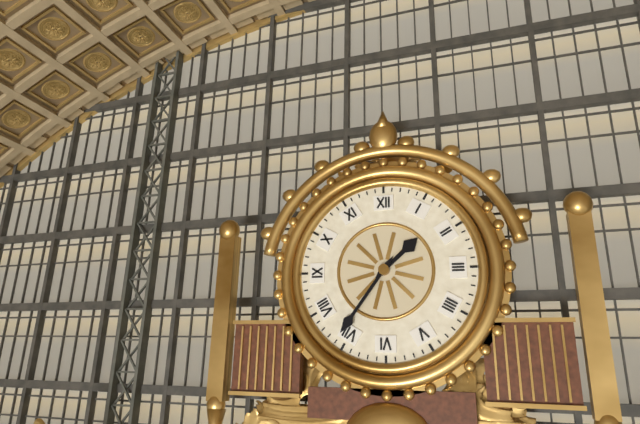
h=1 m=36
